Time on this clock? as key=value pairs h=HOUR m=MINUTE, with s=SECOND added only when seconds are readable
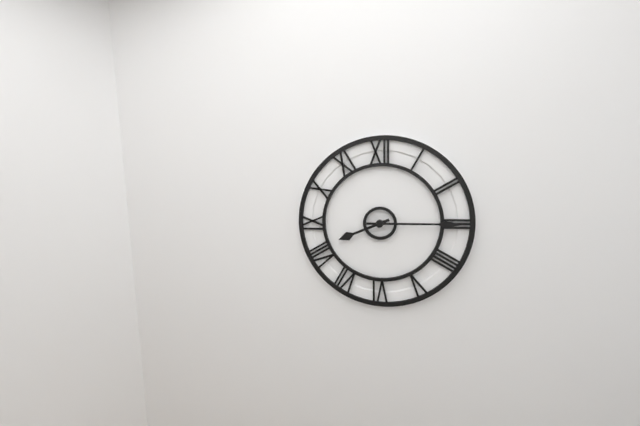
h=8 m=15
